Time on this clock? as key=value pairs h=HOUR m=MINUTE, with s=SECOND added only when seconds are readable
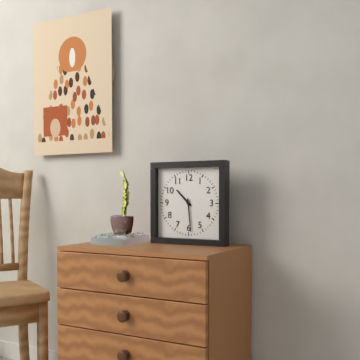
h=10 m=29
